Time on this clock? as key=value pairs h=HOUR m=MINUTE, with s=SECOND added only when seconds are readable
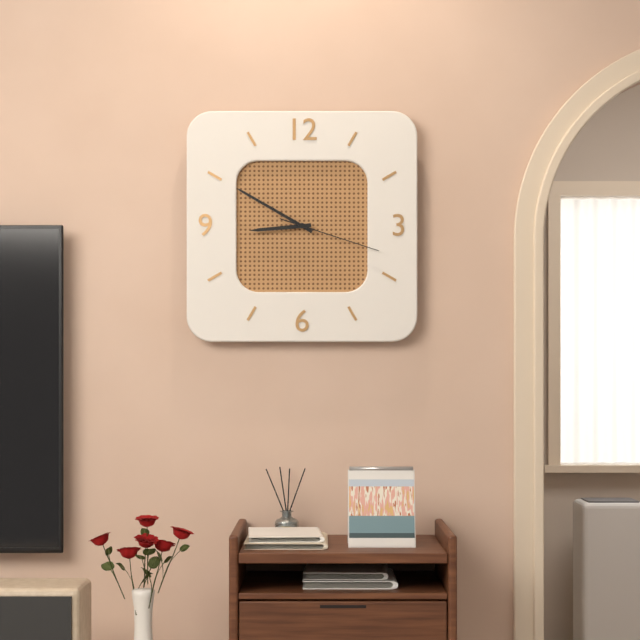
h=8 m=50 s=18
